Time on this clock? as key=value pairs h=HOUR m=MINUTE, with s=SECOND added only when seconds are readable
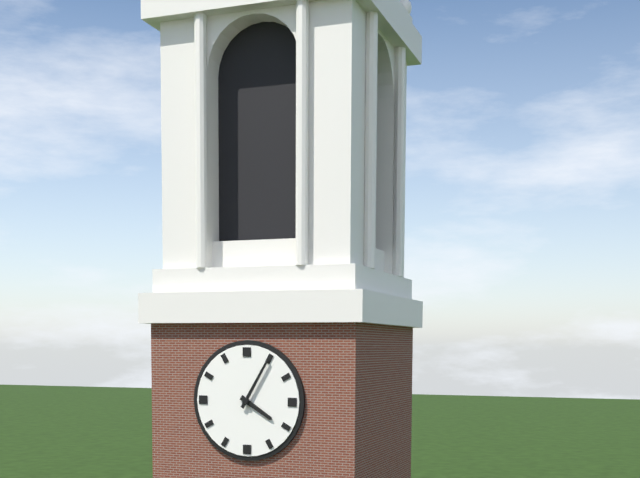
h=4 m=5
